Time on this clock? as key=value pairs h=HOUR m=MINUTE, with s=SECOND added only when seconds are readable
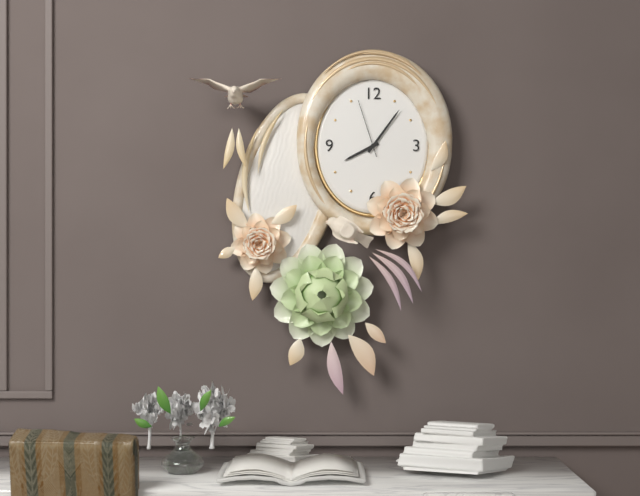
h=8 m=6 s=57
